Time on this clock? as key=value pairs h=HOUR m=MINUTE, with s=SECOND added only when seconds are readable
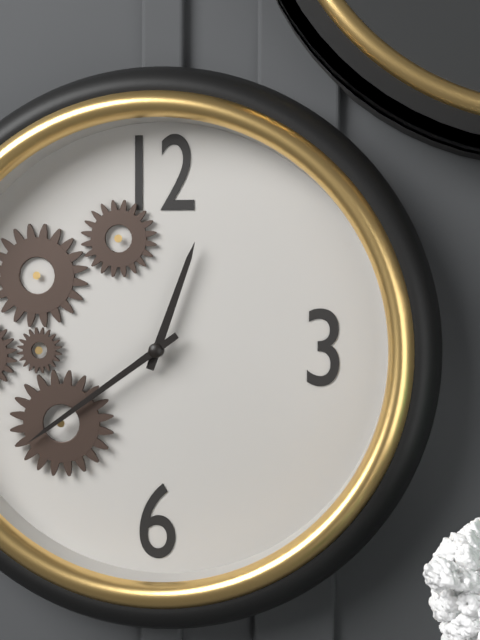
h=12 m=39
